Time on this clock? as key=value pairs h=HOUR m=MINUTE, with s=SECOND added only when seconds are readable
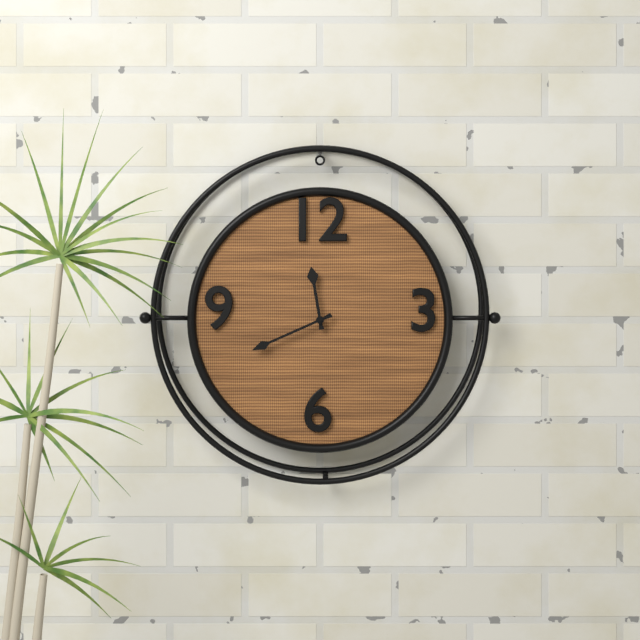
h=11 m=41
